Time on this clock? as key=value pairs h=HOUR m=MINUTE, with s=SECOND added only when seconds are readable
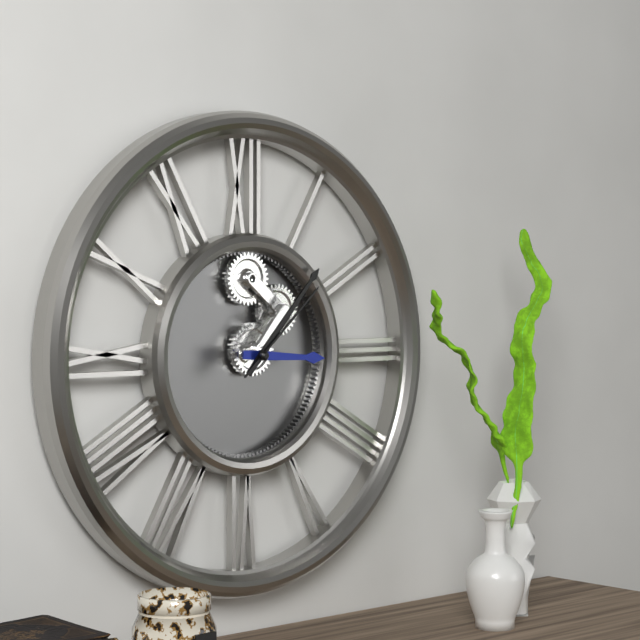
h=3 m=7 s=8
